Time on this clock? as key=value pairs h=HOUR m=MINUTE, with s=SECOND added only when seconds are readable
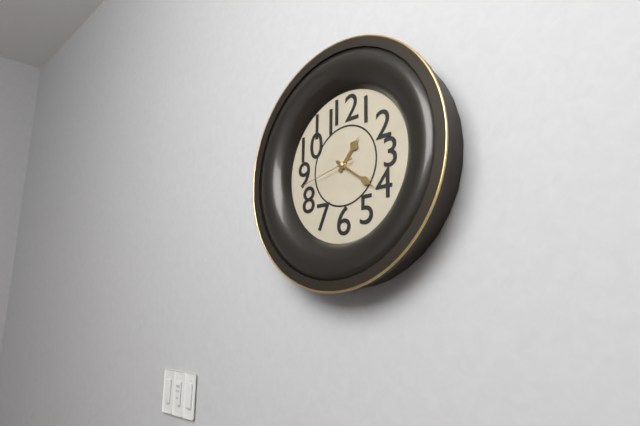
h=1 m=21 s=43
